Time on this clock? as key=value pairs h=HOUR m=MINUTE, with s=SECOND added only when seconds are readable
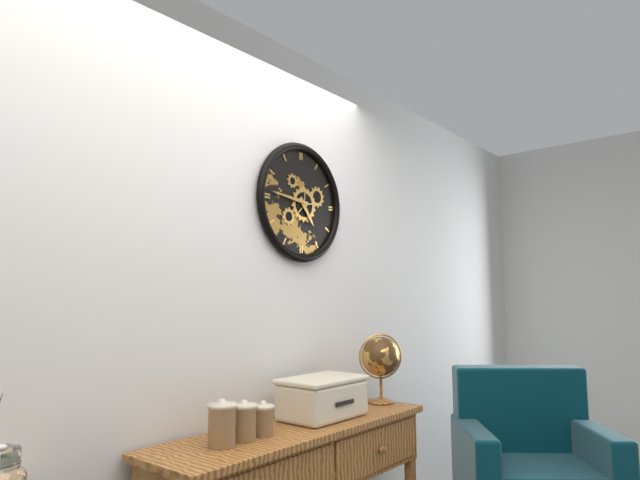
h=4 m=46
